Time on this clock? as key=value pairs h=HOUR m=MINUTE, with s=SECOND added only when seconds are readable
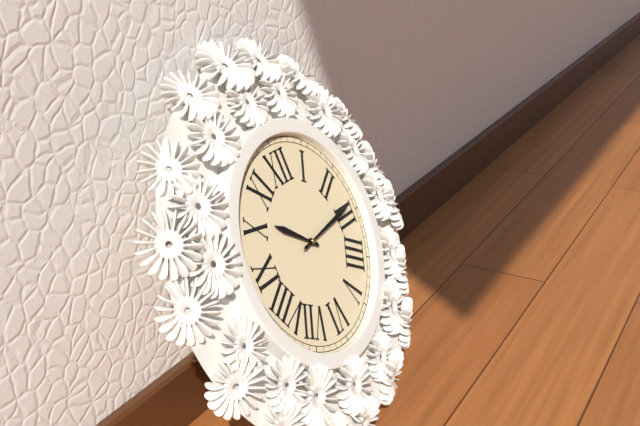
h=10 m=14
